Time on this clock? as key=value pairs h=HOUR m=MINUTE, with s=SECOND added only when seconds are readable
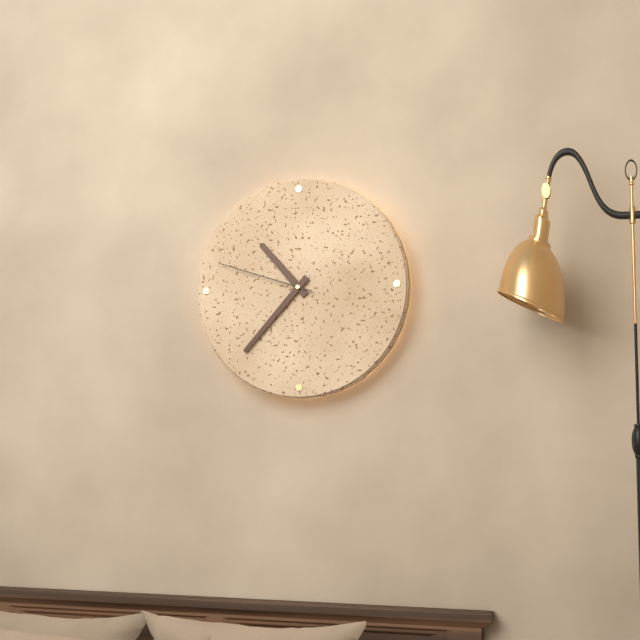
h=10 m=37 s=48
